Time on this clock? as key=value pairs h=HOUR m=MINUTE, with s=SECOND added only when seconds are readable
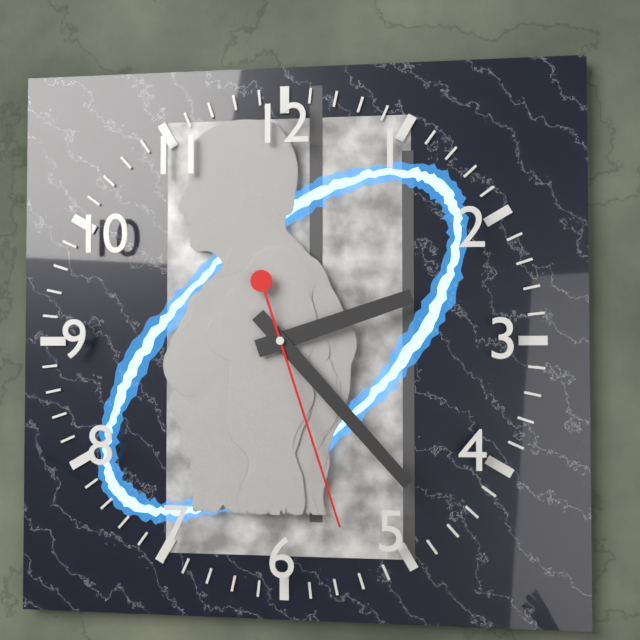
h=2 m=23 s=27
